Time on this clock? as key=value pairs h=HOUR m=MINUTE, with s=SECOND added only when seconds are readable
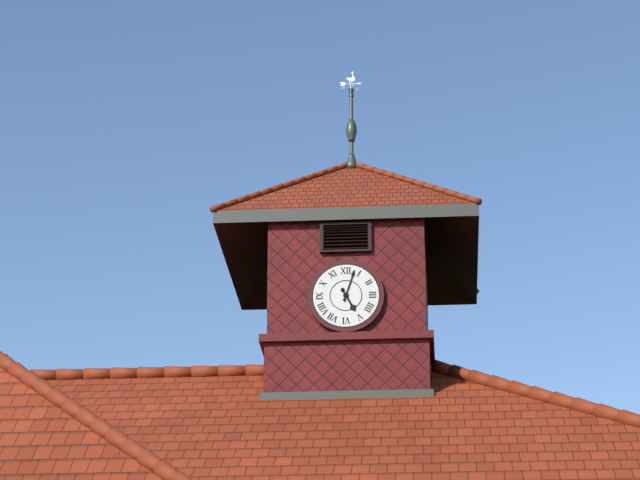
h=5 m=3
